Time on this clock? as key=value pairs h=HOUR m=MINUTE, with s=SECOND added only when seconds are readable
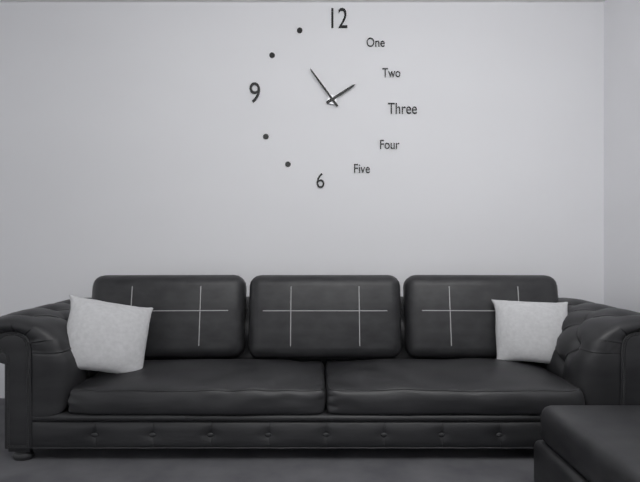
h=1 m=54
